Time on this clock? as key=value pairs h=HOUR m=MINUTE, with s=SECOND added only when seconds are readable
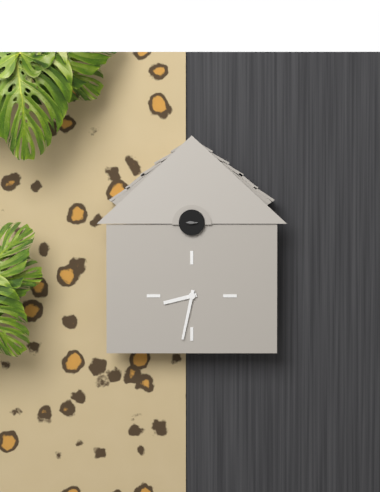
h=8 m=32
